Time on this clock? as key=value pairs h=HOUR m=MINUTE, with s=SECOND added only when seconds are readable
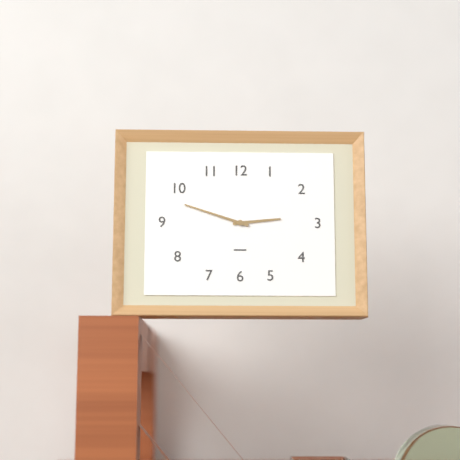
h=2 m=48
